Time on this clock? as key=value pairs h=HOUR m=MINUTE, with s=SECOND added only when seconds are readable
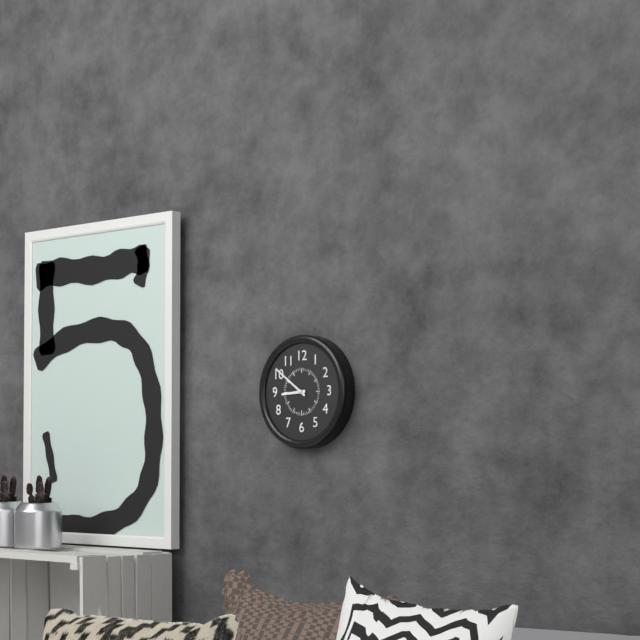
h=8 m=51
